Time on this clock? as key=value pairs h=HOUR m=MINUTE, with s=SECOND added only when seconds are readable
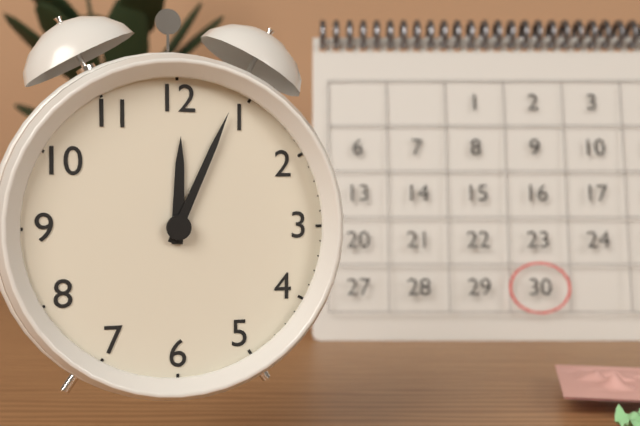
h=12 m=4
